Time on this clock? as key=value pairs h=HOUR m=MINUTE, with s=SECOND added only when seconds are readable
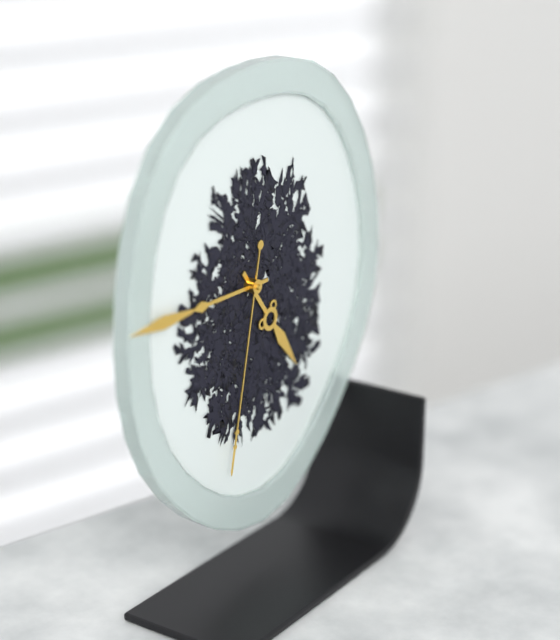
h=4 m=45 s=32
